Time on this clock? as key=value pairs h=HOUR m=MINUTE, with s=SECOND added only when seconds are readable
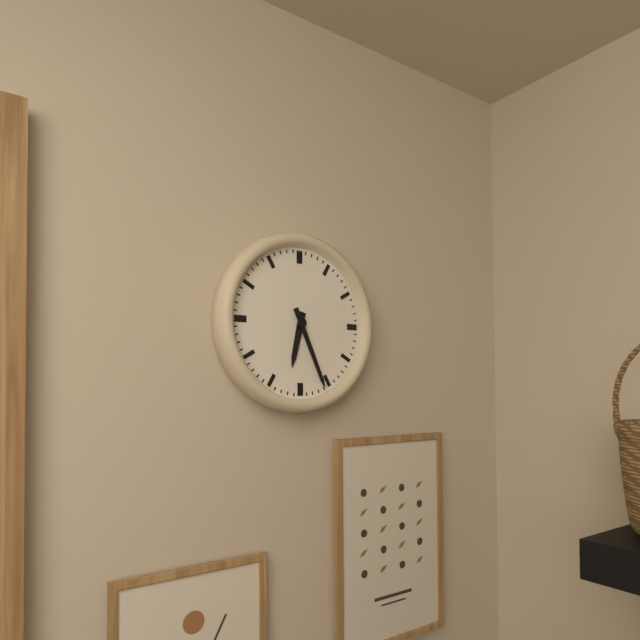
h=6 m=26
